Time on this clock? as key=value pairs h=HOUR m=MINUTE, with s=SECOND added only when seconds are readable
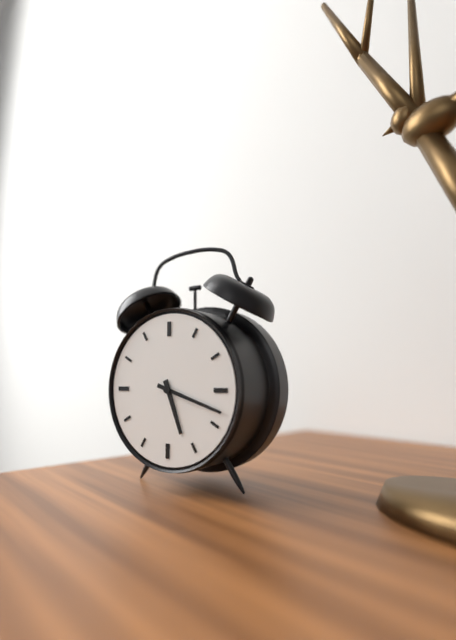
h=5 m=18
